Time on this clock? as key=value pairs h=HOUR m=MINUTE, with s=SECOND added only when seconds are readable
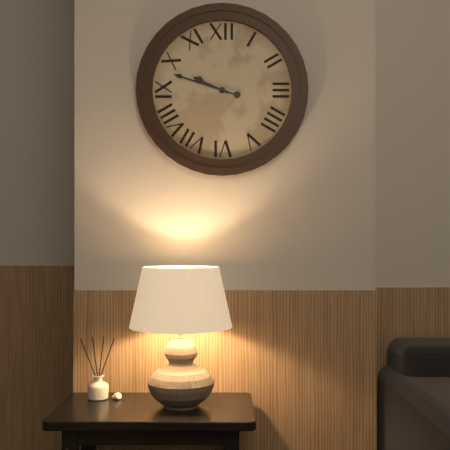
h=9 m=48
